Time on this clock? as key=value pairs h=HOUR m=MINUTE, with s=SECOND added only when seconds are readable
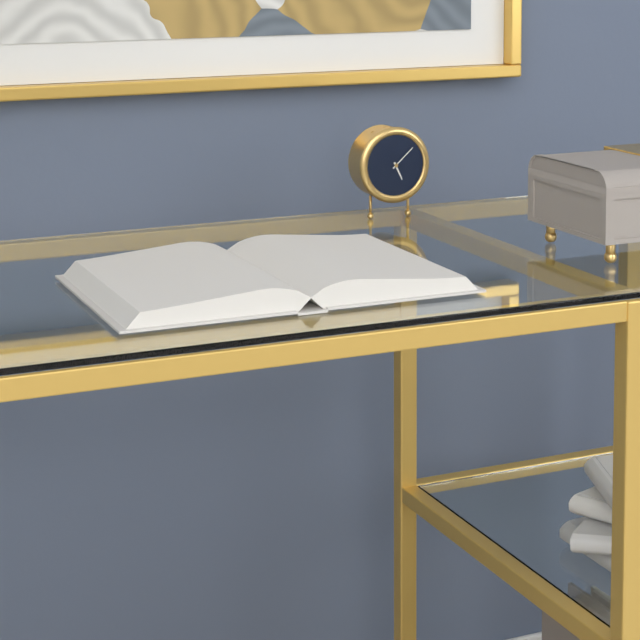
h=5 m=8
